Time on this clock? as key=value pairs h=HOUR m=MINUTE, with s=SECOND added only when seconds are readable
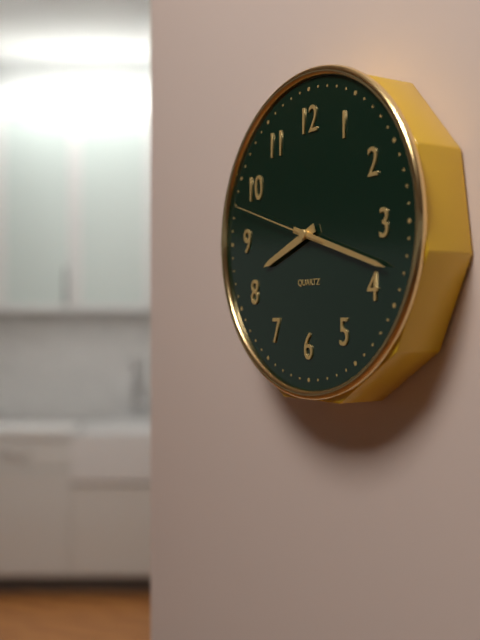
h=8 m=18 s=48
